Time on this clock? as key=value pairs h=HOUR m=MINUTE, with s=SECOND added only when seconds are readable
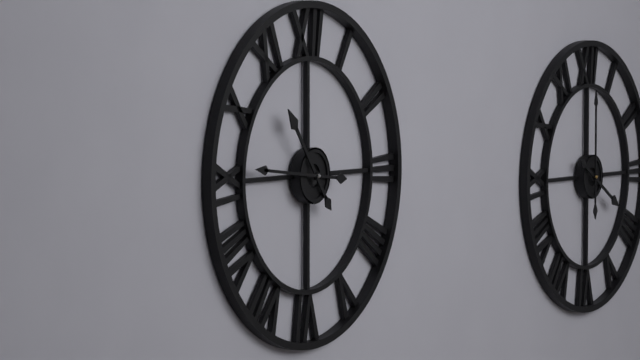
h=10 m=46
